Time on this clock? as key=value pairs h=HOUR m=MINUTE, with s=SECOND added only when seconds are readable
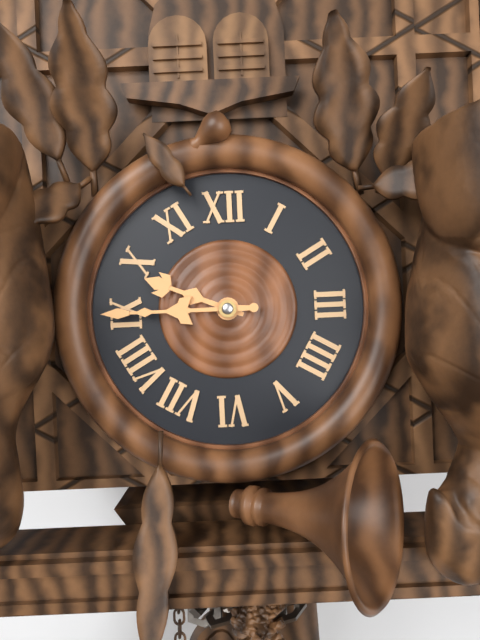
h=9 m=45
